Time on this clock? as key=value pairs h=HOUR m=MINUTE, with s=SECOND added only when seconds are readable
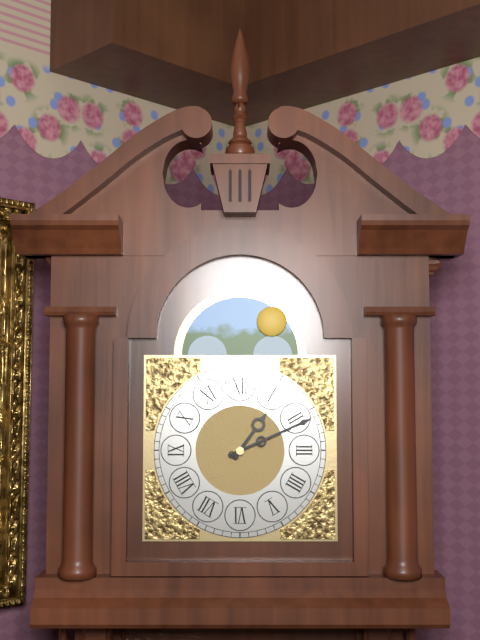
h=1 m=11
